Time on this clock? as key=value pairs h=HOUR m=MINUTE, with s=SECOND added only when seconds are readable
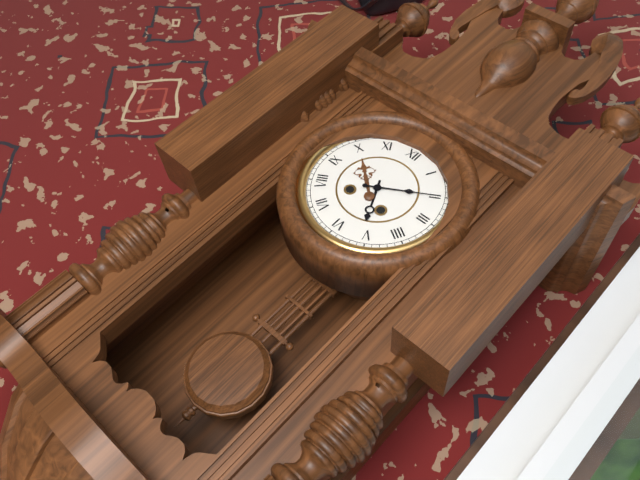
h=5 m=10
